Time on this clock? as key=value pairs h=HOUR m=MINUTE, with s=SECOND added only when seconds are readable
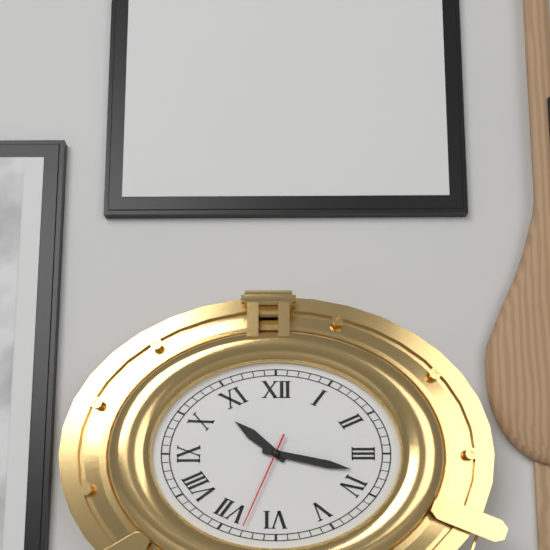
h=10 m=17 s=34
